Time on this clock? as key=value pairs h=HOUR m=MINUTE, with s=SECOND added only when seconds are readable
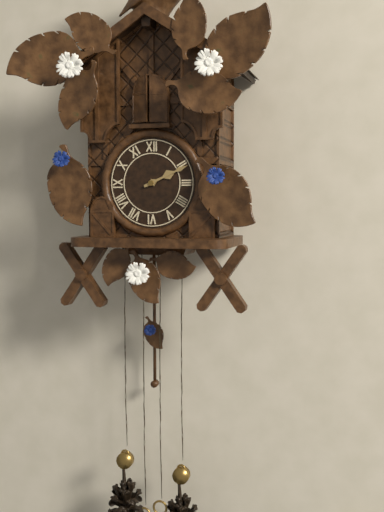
h=2 m=11
